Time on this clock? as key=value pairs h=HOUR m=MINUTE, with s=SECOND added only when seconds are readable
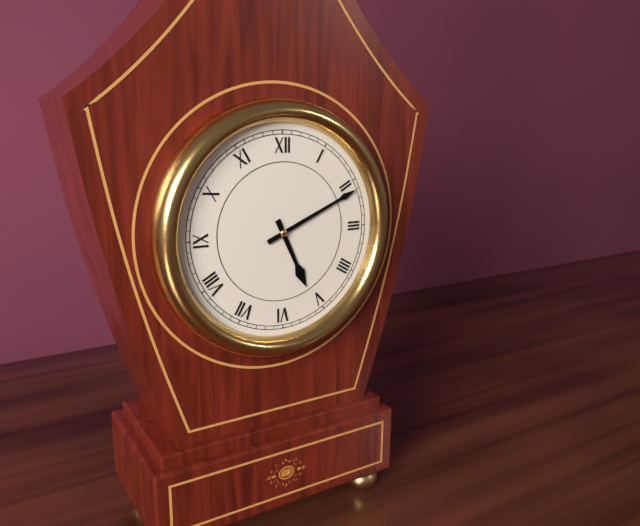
h=5 m=11
